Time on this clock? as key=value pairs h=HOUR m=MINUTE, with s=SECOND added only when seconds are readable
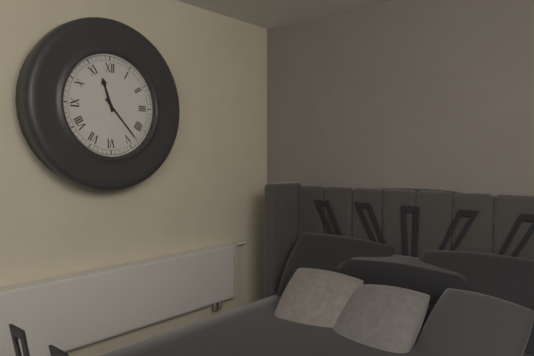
h=11 m=23
